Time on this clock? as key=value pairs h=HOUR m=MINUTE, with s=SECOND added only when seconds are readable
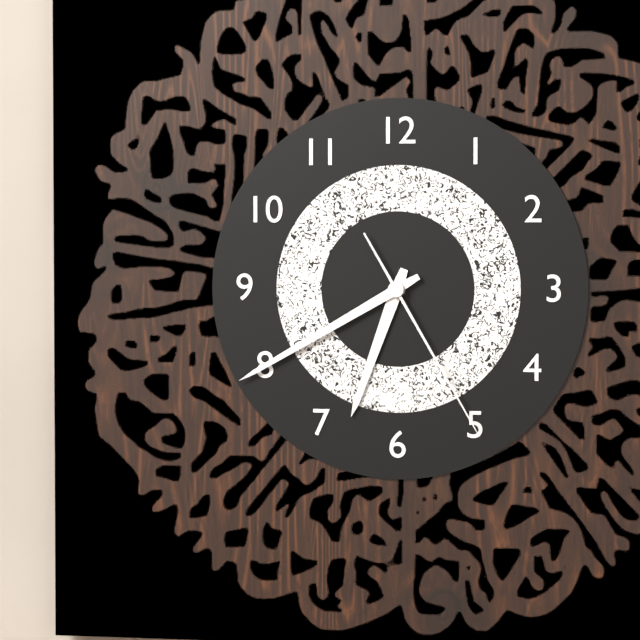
h=6 m=40 s=25
